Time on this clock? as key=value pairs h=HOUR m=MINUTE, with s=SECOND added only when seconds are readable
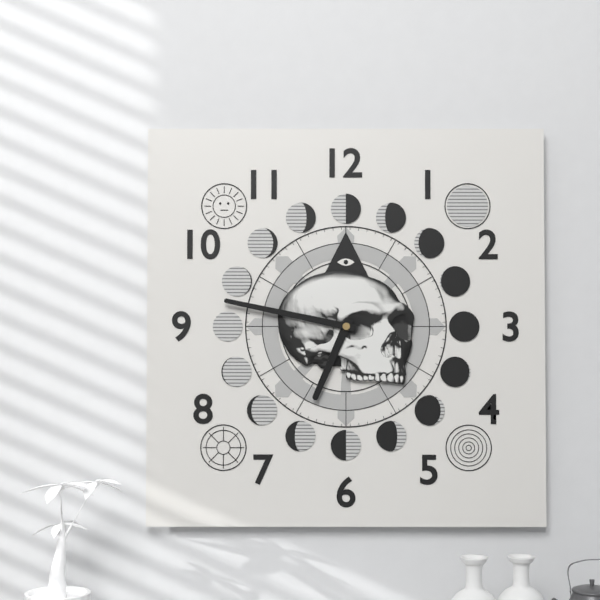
h=6 m=47
